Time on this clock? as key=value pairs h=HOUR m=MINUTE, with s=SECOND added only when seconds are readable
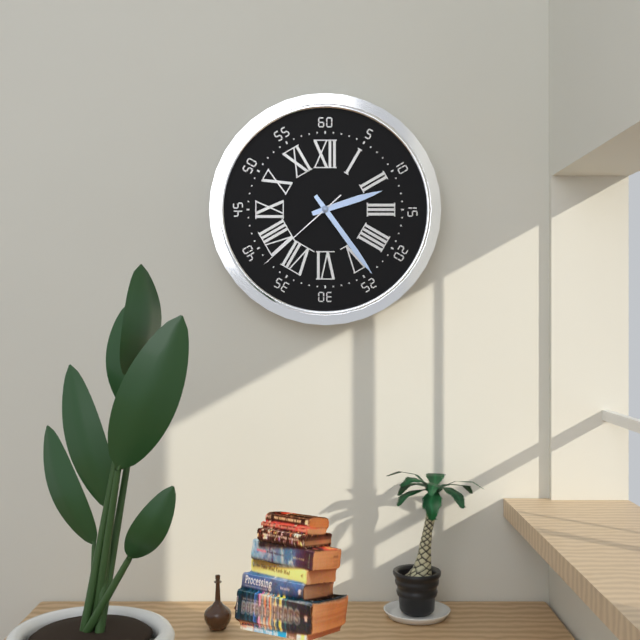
h=2 m=24 s=38
